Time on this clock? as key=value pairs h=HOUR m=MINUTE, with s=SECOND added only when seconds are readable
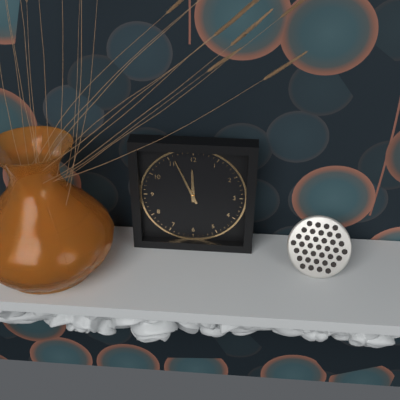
h=11 m=56
